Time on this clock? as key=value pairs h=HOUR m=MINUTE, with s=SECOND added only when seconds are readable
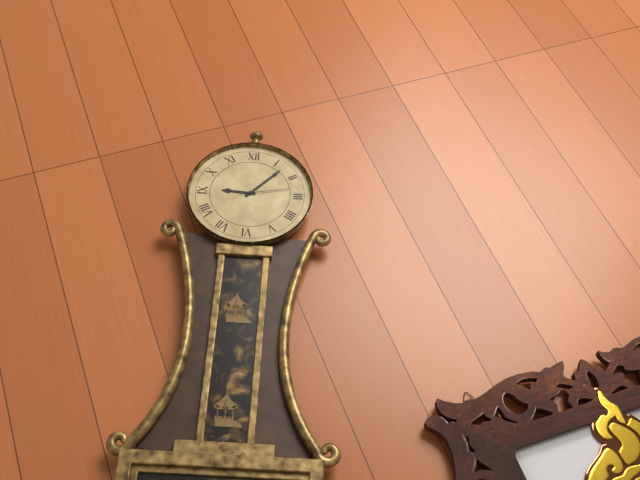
h=9 m=7
